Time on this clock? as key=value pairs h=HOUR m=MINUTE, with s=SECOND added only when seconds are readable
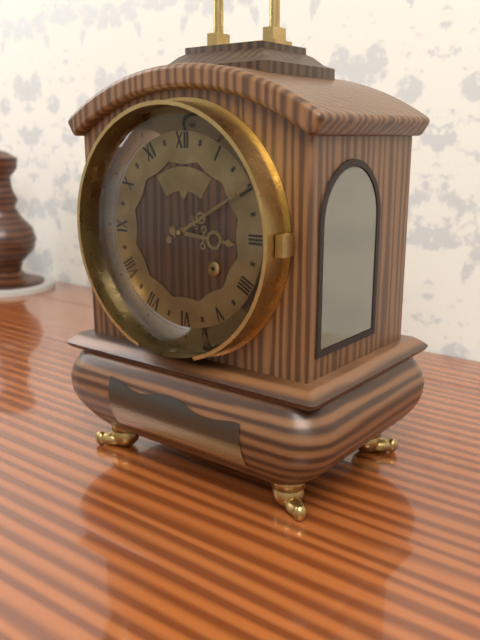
h=3 m=10
